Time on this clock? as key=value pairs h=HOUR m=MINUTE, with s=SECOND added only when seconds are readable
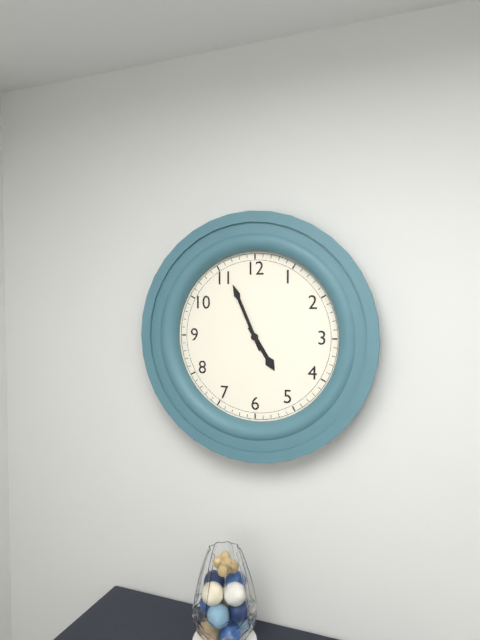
h=4 m=56
